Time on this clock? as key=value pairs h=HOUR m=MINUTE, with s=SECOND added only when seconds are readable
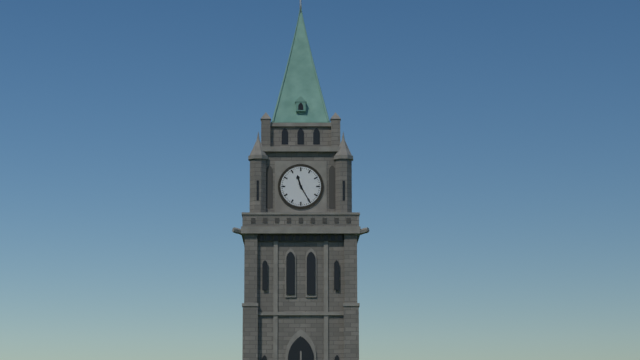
h=11 m=25
